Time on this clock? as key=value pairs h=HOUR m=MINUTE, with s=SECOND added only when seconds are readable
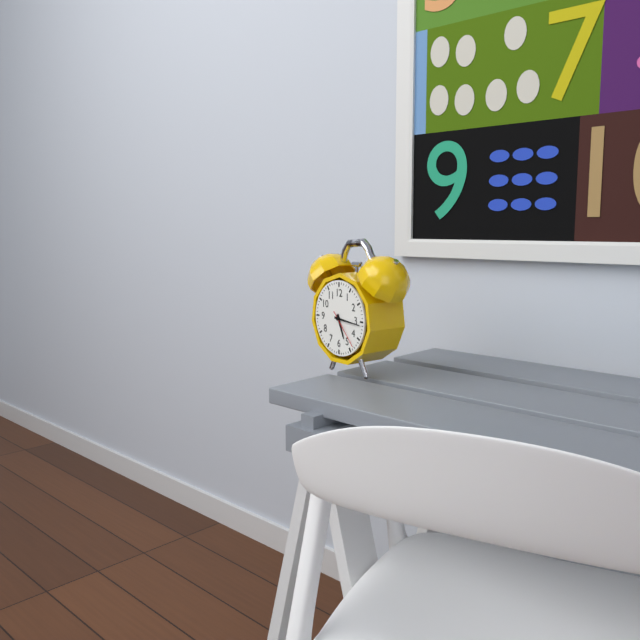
h=5 m=16
